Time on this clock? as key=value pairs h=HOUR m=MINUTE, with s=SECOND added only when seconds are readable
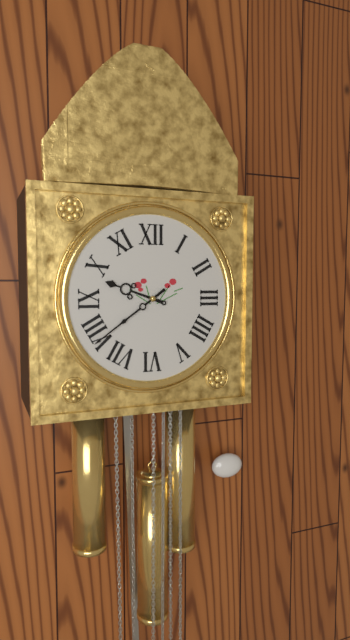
h=9 m=39
